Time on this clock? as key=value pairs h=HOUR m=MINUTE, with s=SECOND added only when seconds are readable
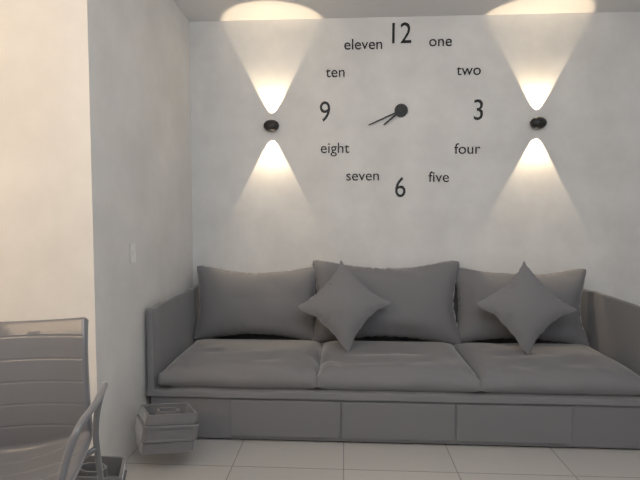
h=7 m=41
